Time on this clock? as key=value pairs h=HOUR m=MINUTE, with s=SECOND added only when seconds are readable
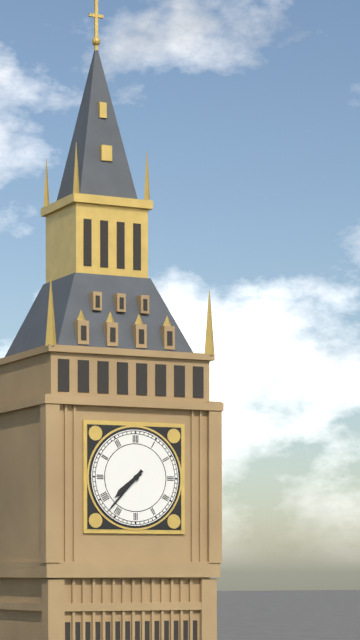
h=7 m=37
